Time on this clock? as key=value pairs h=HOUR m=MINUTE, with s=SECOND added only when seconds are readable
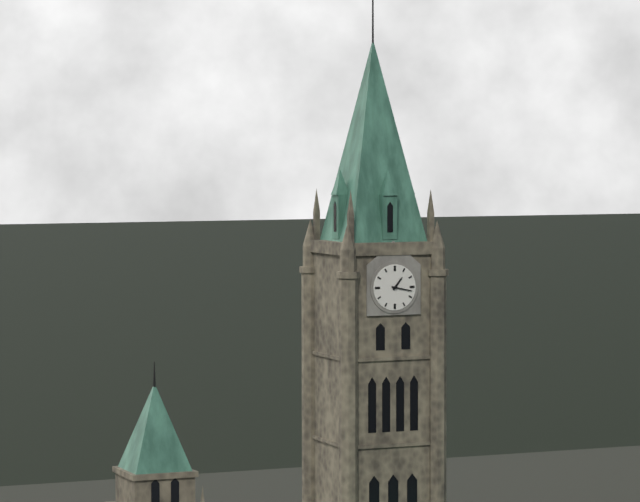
h=1 m=17
